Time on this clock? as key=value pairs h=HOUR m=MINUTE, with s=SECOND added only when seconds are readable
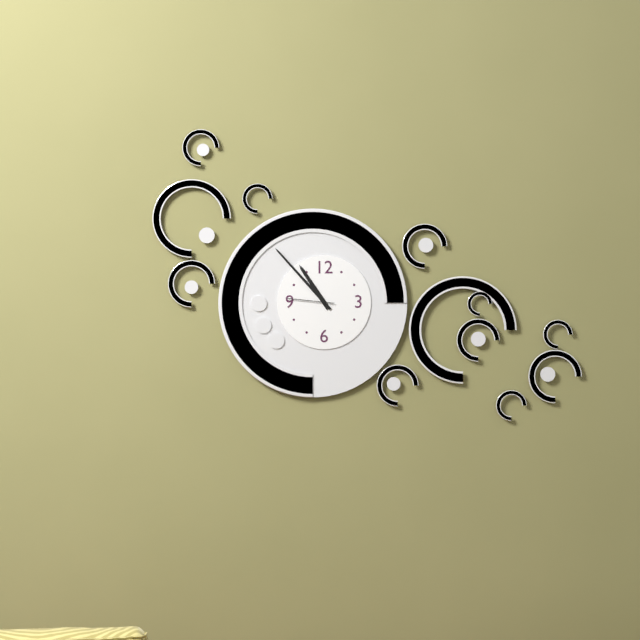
h=10 m=53
